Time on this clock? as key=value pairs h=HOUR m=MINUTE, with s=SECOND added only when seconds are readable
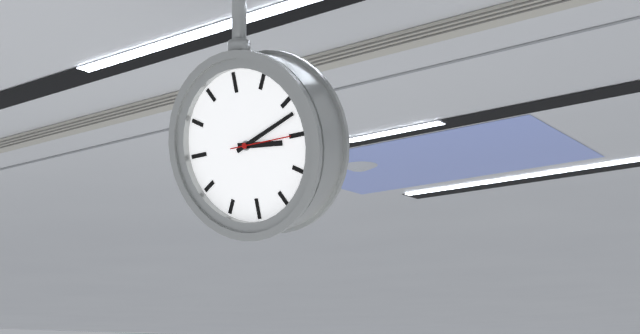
h=3 m=12 s=15
